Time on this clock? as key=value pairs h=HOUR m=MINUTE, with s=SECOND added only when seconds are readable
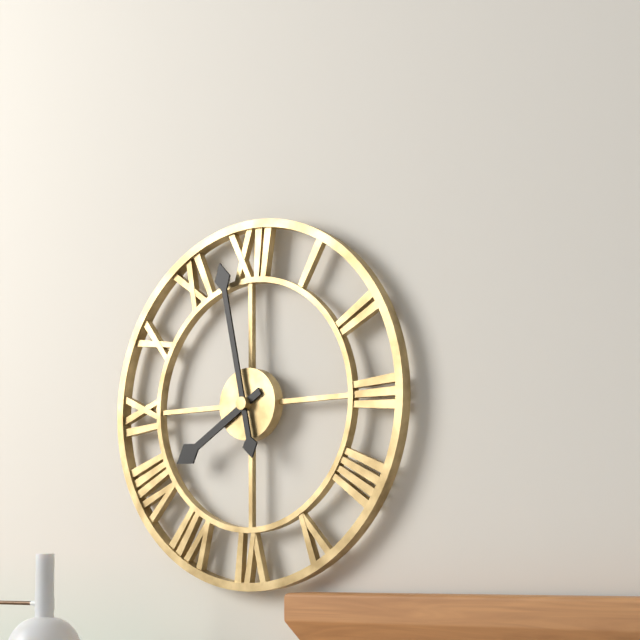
h=7 m=58
